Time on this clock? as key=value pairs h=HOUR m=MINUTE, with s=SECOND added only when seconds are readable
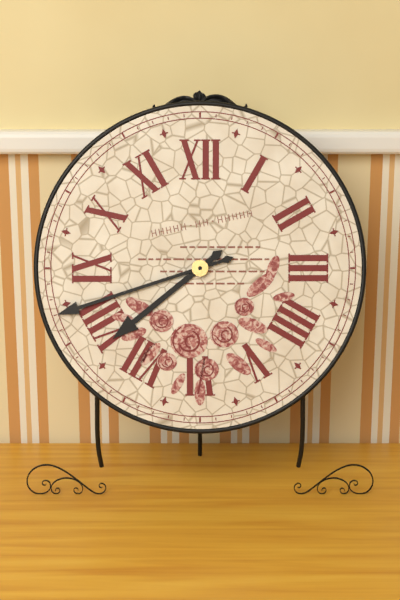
h=7 m=42
